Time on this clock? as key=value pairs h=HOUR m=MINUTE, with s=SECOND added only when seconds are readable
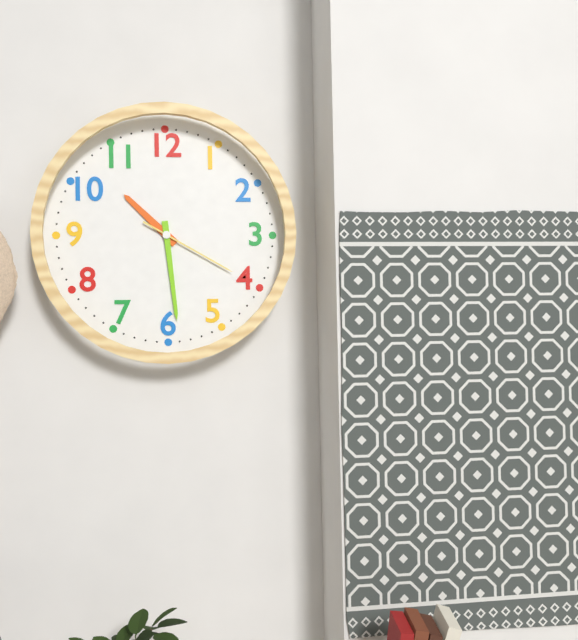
h=10 m=29 s=20
